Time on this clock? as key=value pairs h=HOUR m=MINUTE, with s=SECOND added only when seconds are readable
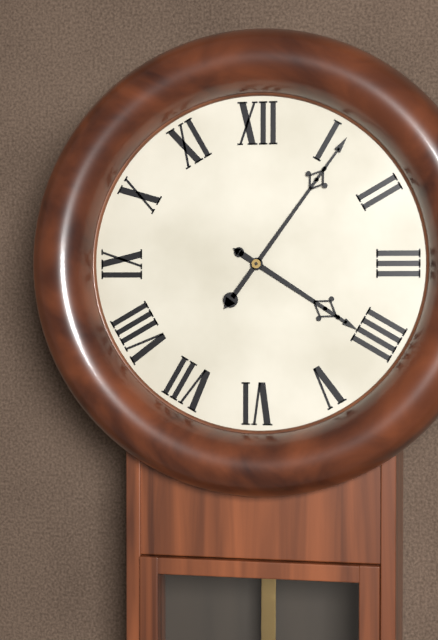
h=4 m=6
